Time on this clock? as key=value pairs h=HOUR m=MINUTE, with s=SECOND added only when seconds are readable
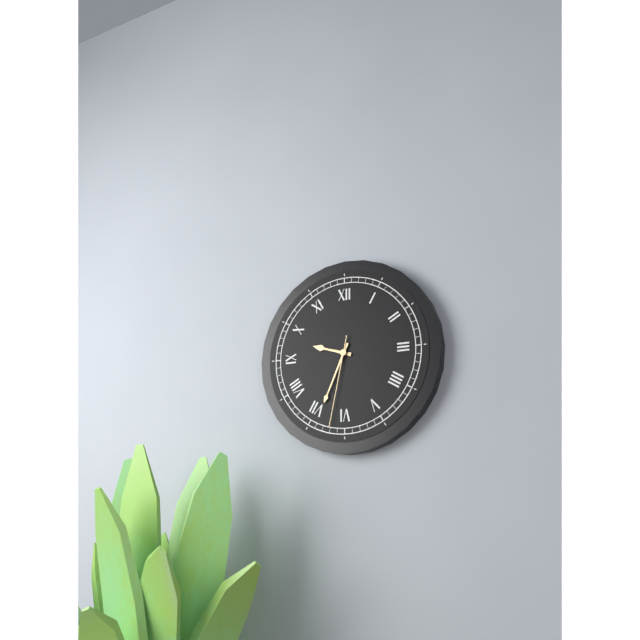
h=9 m=34 s=32
